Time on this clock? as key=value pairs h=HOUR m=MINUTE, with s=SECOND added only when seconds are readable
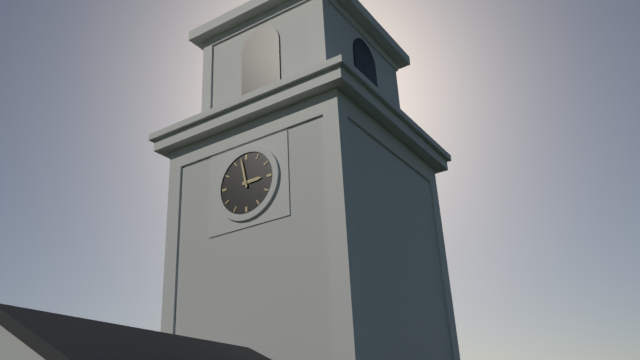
h=2 m=58
